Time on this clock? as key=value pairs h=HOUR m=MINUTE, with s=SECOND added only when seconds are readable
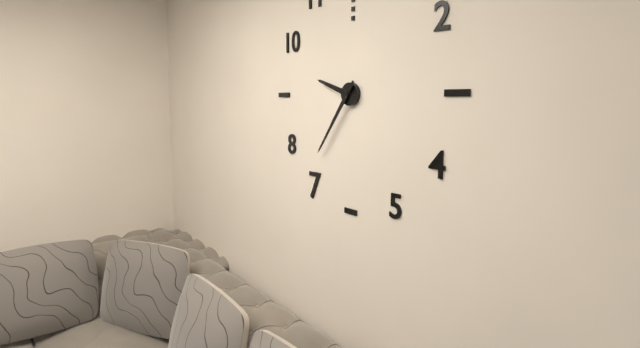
h=9 m=36
